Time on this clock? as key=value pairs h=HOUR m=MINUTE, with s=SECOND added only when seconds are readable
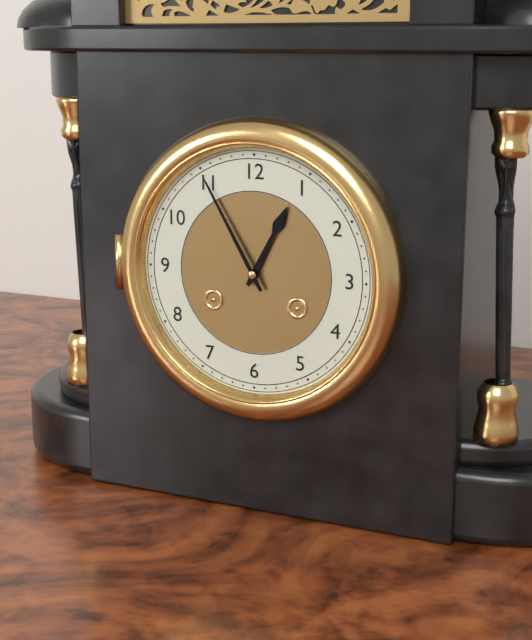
h=12 m=55
